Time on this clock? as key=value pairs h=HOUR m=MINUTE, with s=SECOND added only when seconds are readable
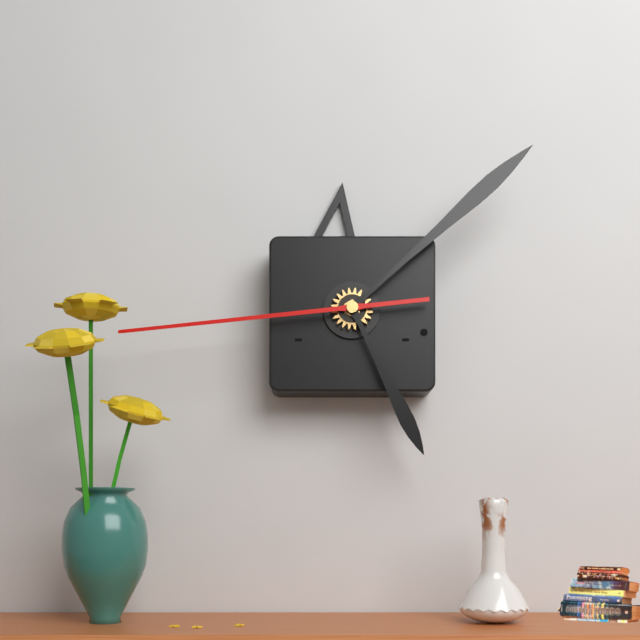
h=5 m=8 s=44
